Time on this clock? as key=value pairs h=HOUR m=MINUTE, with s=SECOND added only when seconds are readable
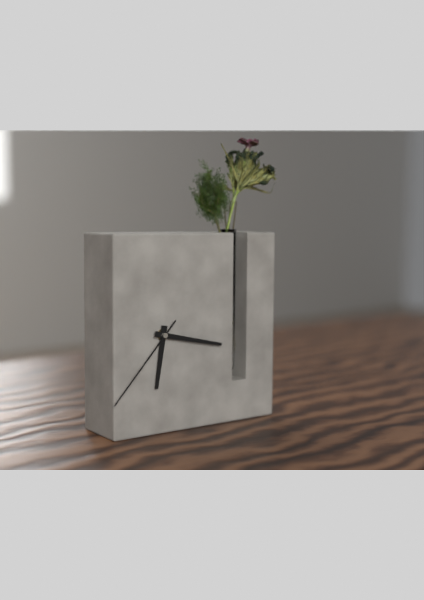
h=6 m=17 s=37
